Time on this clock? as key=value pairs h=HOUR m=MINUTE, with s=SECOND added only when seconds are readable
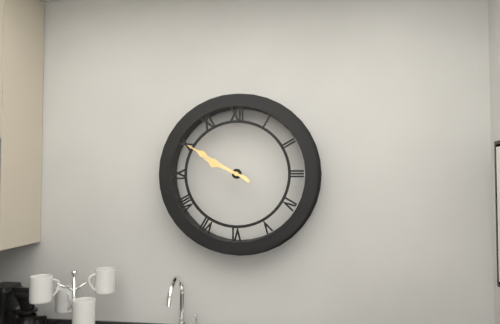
h=9 m=50
